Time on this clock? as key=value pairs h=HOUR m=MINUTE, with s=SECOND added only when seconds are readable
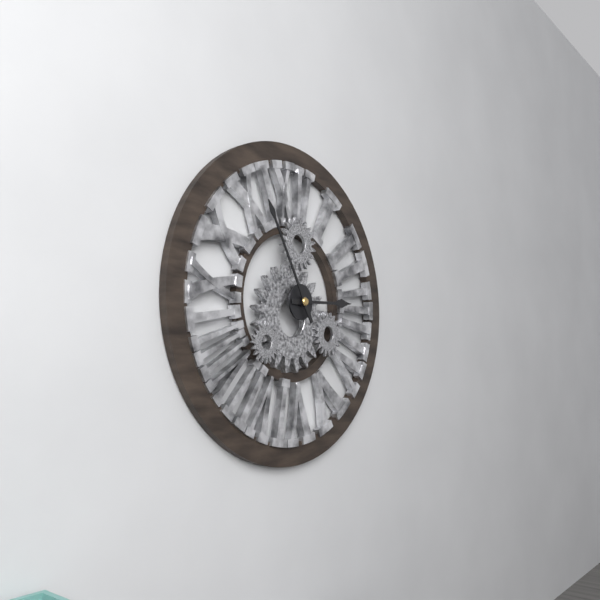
h=2 m=55
